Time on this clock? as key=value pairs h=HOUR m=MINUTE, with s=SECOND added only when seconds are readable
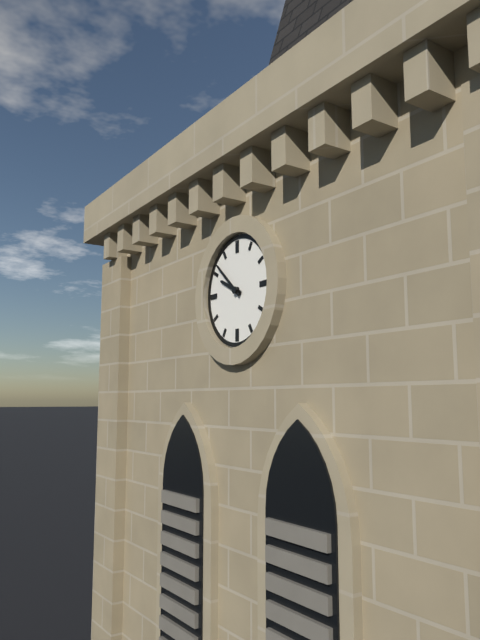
h=9 m=52
